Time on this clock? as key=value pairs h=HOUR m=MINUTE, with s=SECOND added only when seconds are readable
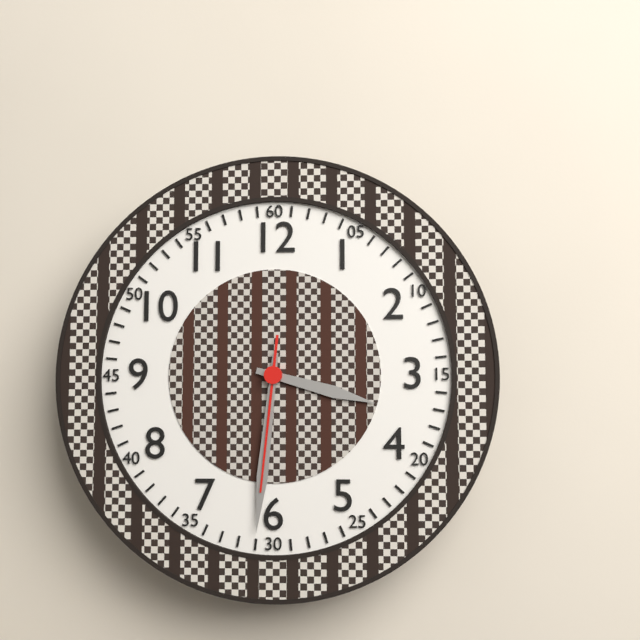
h=3 m=31 s=31
